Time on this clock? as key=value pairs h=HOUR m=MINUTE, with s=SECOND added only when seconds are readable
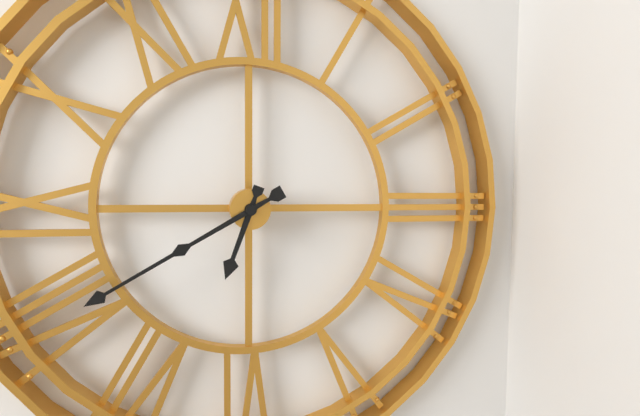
h=6 m=40
